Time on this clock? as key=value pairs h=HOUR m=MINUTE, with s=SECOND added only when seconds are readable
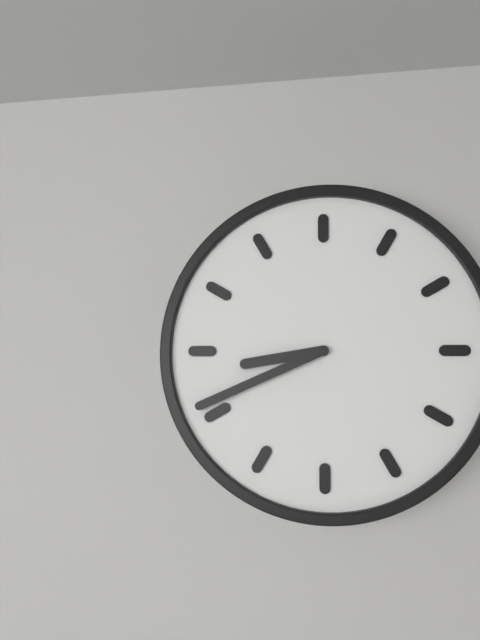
h=8 m=41
